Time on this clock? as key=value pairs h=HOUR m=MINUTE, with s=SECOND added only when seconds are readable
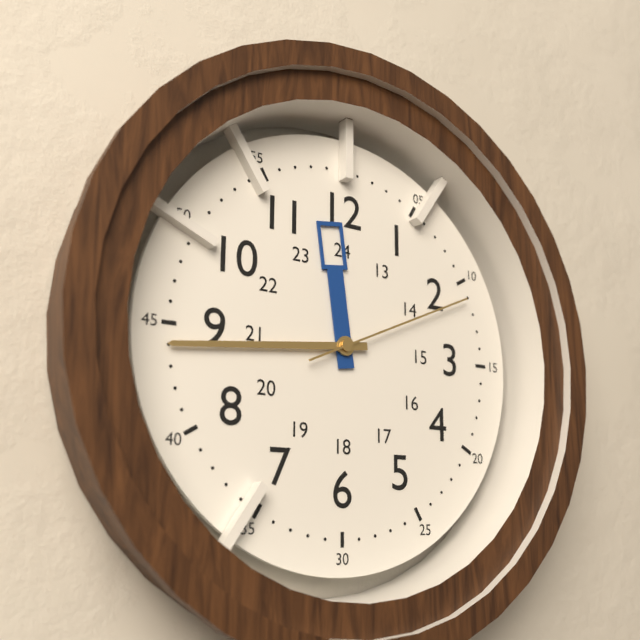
h=11 m=44 s=11
